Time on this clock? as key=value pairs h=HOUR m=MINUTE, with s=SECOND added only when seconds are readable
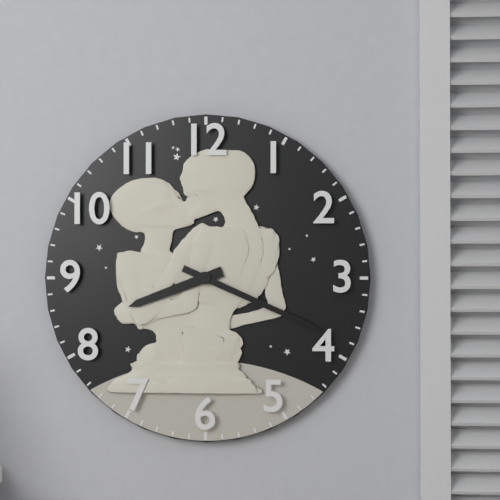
h=8 m=19
